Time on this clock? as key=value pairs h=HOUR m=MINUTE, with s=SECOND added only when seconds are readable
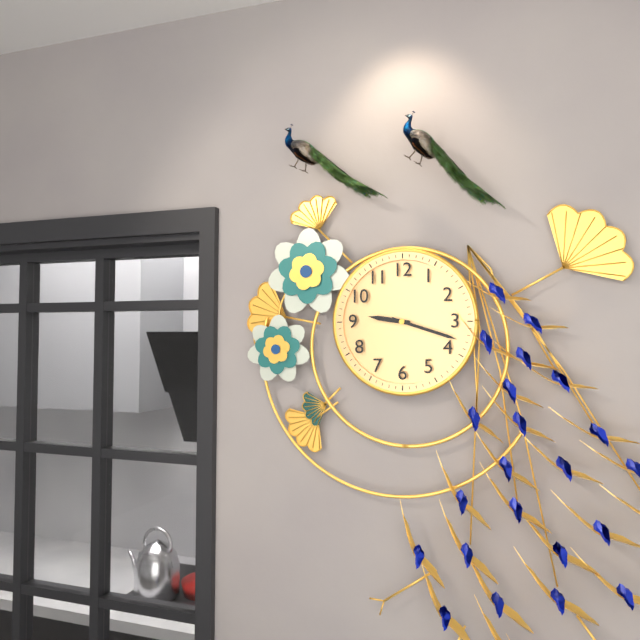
h=9 m=18
